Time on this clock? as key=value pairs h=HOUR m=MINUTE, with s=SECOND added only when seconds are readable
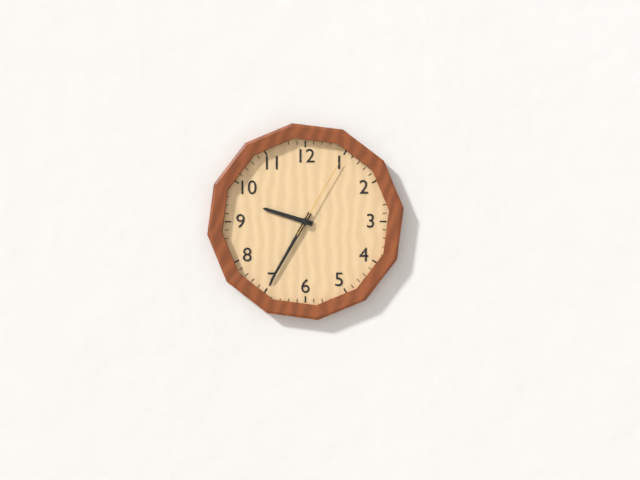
h=9 m=35 s=5
